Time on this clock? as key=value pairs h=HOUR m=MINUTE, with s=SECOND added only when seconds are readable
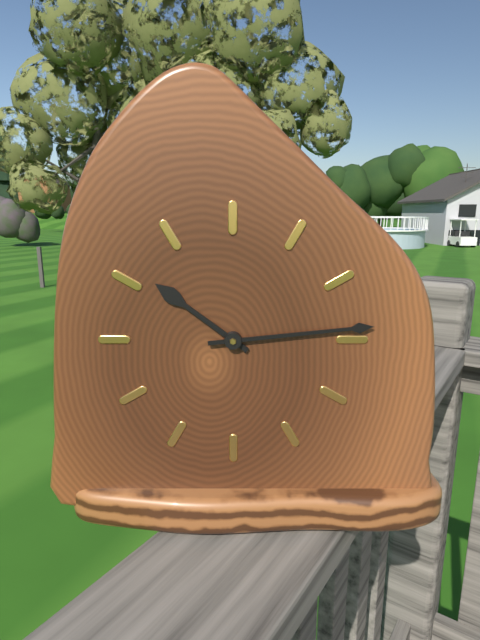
h=10 m=14
